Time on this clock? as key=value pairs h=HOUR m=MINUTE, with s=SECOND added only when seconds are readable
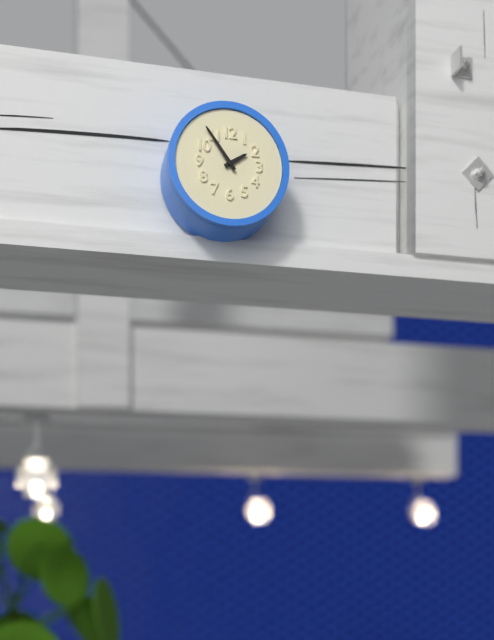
h=1 m=54
